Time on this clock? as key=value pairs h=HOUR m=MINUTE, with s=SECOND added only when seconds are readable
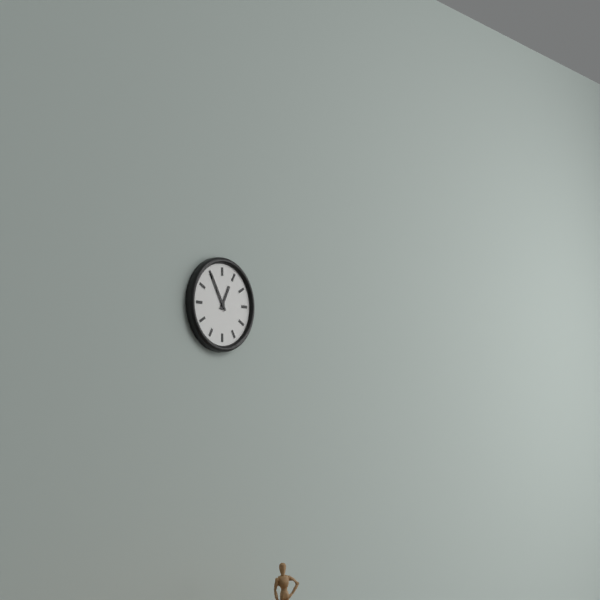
h=12 m=55
